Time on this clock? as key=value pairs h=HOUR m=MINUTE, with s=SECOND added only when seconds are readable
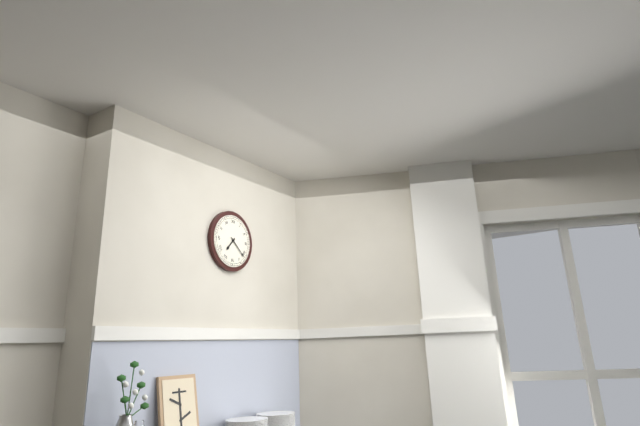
h=7 m=22
